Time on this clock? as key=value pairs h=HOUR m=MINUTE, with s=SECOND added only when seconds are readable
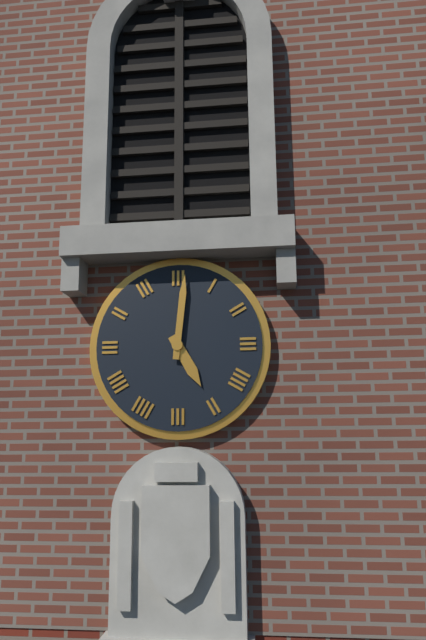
h=5 m=1
